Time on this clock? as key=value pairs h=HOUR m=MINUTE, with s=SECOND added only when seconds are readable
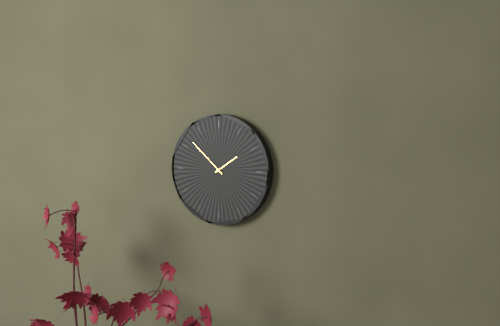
h=1 m=52
